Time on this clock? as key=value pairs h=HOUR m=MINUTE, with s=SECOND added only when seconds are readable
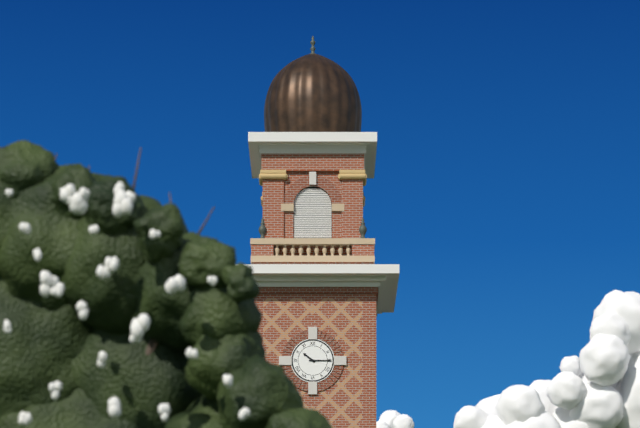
h=10 m=15
